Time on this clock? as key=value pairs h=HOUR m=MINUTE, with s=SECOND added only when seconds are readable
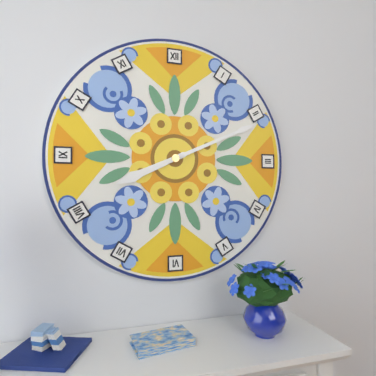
h=8 m=11
